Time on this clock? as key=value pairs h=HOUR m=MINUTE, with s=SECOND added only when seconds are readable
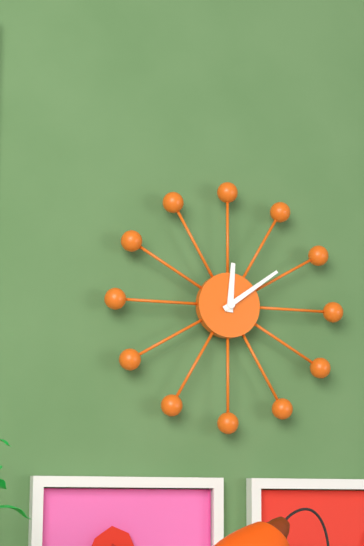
h=12 m=9
